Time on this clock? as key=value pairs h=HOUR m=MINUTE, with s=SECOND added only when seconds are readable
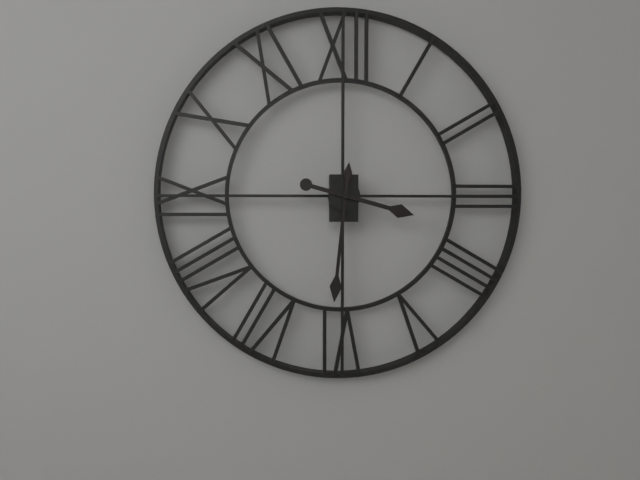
h=3 m=31
